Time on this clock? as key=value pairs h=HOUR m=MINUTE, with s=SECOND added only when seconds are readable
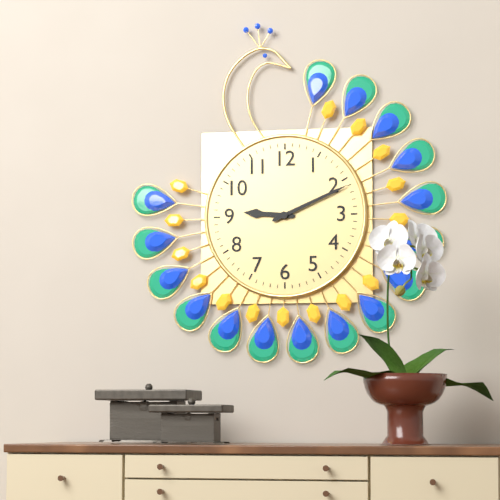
h=9 m=11
